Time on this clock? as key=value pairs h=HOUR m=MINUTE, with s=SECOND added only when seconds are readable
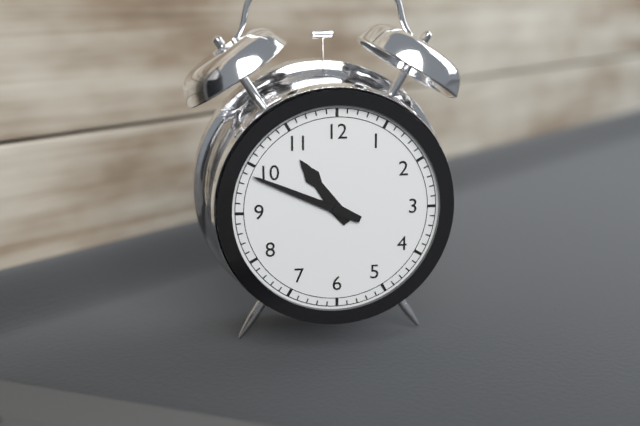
h=10 m=49
